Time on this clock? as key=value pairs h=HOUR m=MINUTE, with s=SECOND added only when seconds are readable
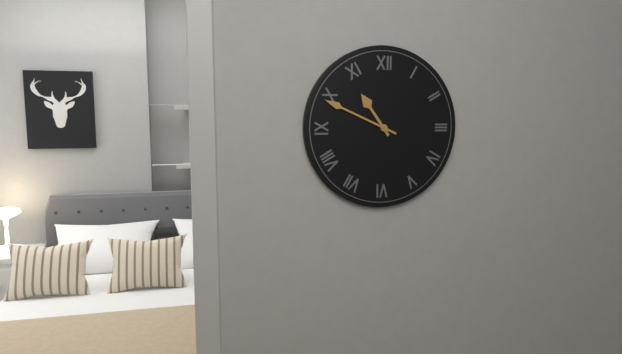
h=10 m=49
